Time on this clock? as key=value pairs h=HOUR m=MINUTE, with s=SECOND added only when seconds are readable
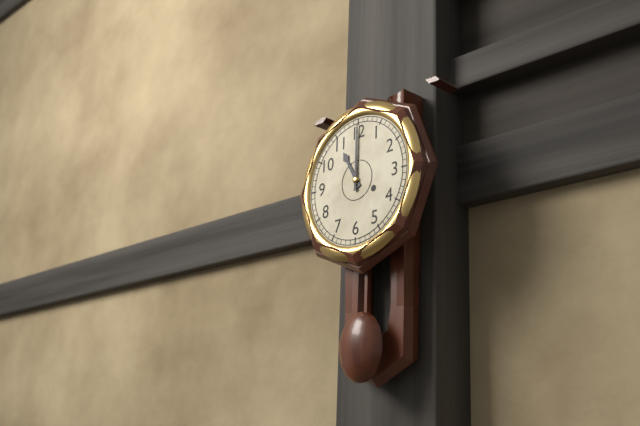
h=11 m=0
